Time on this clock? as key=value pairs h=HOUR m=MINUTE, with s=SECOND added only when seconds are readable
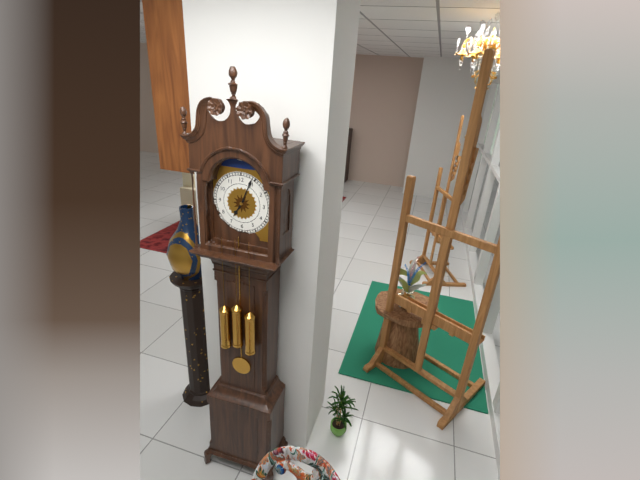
h=7 m=4
